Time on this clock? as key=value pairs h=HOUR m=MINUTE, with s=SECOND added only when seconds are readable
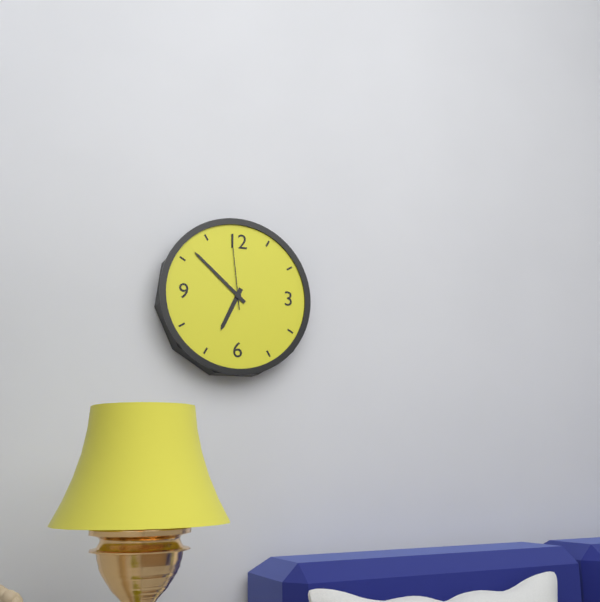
h=6 m=52 s=59
